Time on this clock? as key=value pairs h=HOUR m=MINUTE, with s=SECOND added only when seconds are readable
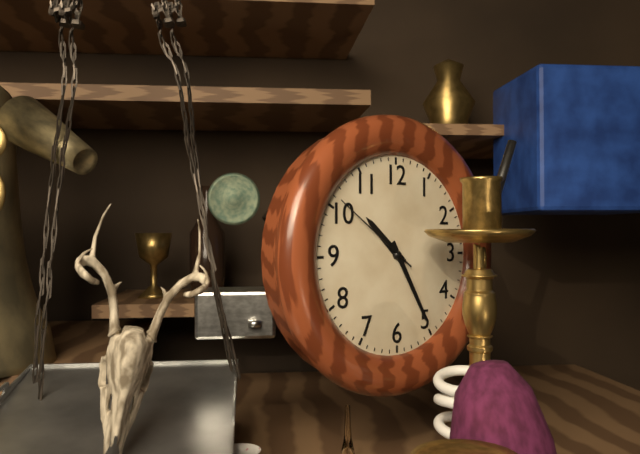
h=10 m=25 s=51
